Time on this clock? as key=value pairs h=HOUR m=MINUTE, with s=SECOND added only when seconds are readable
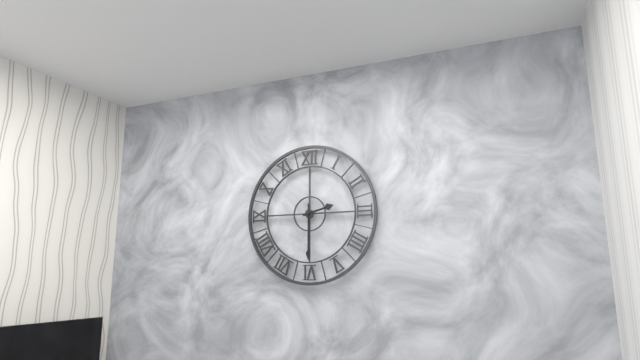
h=2 m=30
